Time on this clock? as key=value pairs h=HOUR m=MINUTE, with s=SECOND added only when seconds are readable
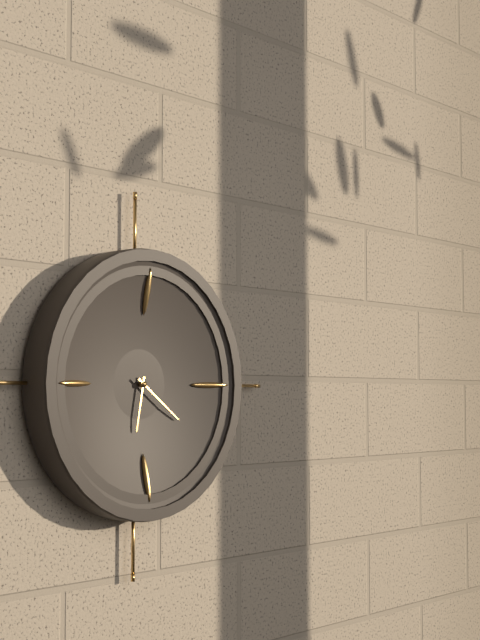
h=6 m=21
